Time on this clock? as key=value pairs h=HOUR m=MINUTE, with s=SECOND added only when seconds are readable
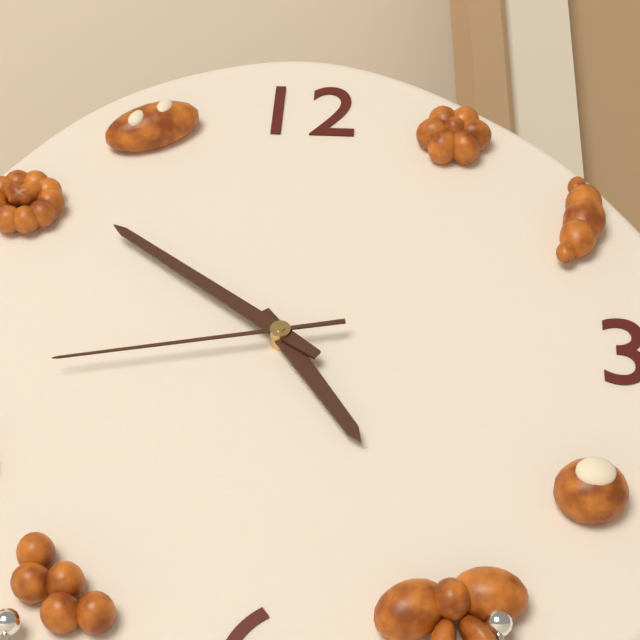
h=4 m=51 s=43
